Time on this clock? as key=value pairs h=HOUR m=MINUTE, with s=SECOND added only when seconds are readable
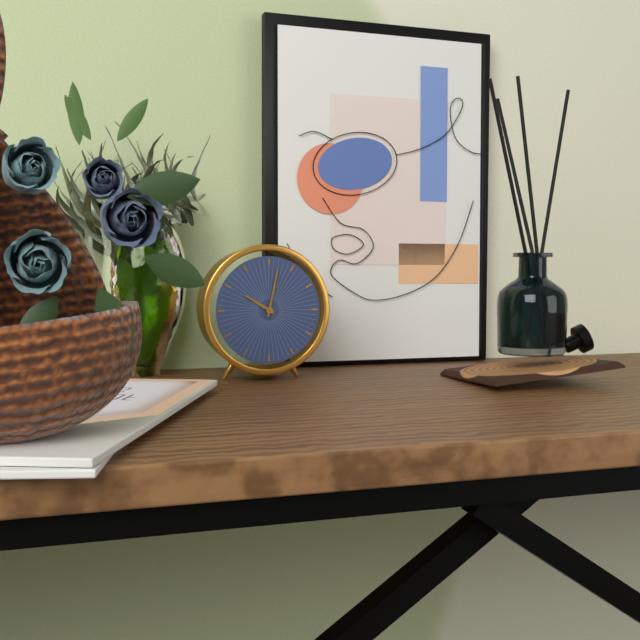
h=10 m=2
